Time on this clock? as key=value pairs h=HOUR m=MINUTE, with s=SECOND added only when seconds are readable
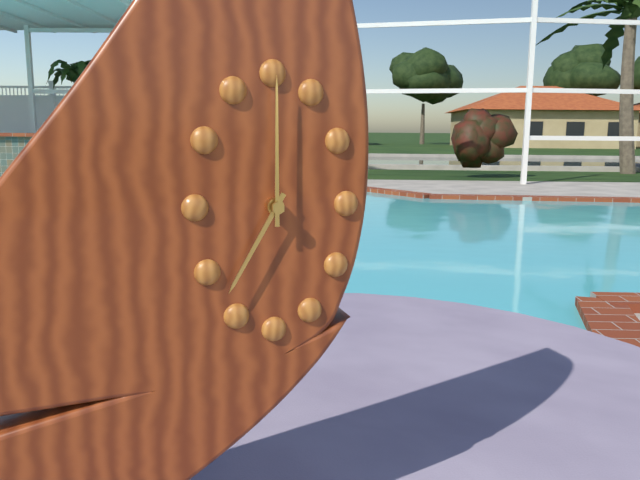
h=7 m=0
